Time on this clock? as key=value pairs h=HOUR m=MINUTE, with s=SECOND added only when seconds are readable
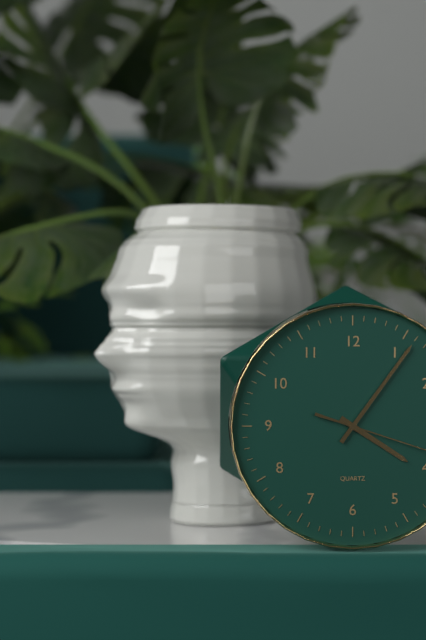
h=4 m=6
